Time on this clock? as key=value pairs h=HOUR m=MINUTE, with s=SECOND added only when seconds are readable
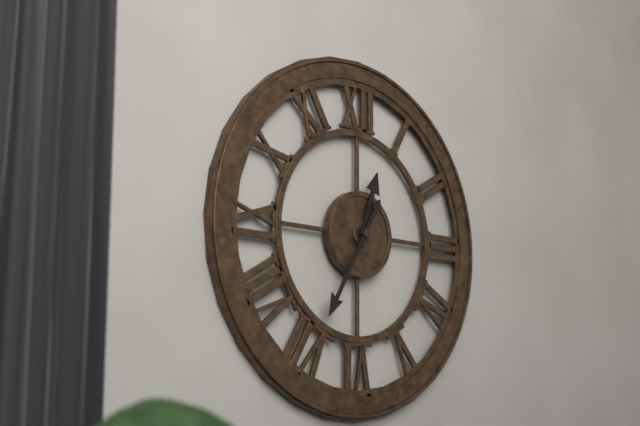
h=12 m=35
